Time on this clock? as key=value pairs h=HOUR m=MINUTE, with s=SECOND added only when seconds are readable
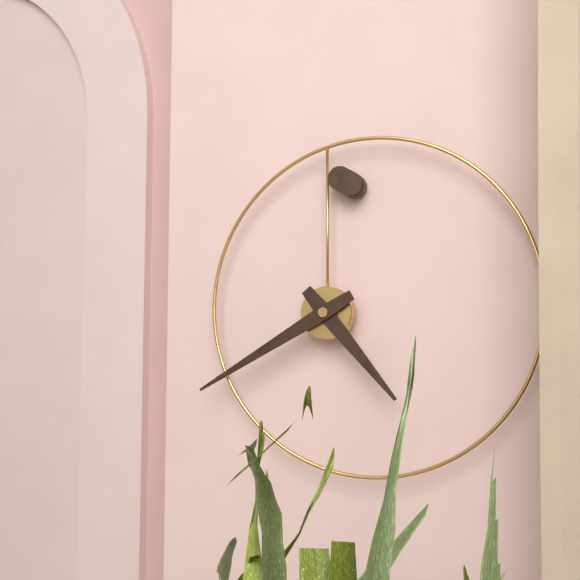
h=4 m=40
